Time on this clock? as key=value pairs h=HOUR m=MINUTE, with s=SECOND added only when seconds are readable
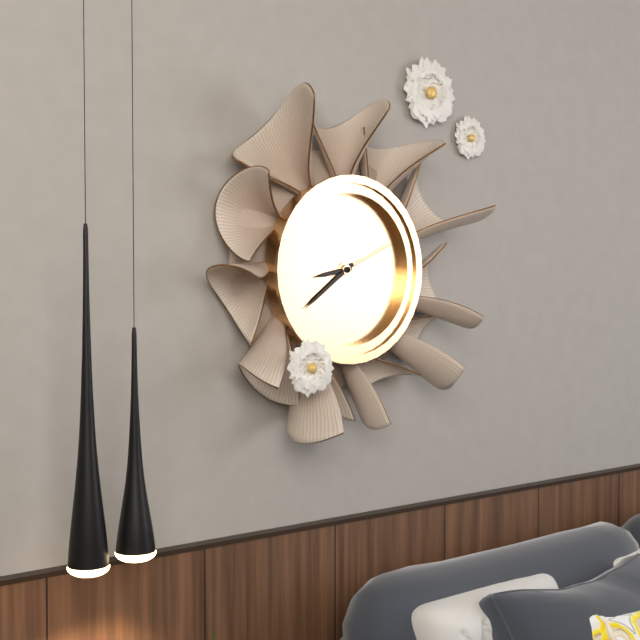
h=8 m=39 s=11
